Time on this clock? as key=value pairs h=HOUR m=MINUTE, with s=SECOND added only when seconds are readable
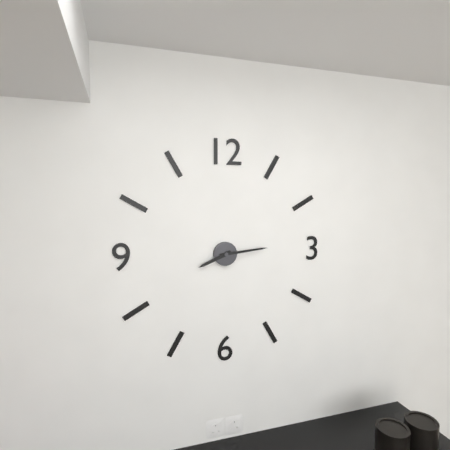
h=8 m=14
